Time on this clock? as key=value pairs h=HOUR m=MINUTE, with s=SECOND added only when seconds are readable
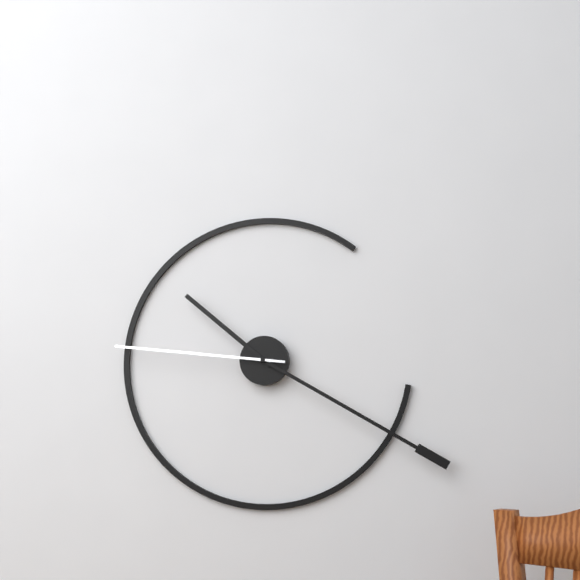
h=10 m=20 s=46
